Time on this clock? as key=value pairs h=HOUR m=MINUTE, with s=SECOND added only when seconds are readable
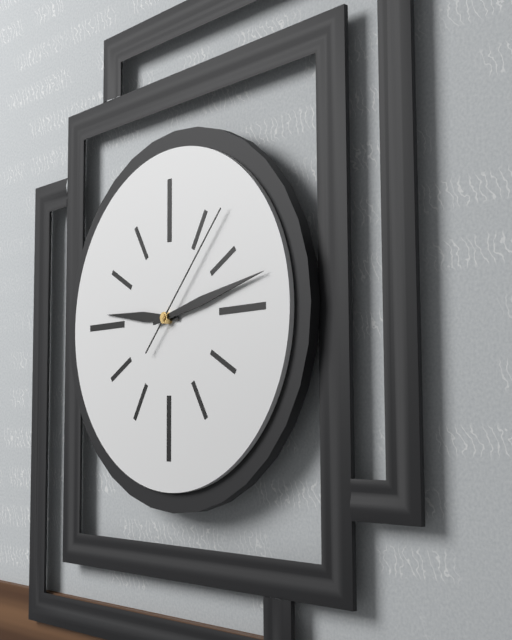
h=9 m=13 s=7
